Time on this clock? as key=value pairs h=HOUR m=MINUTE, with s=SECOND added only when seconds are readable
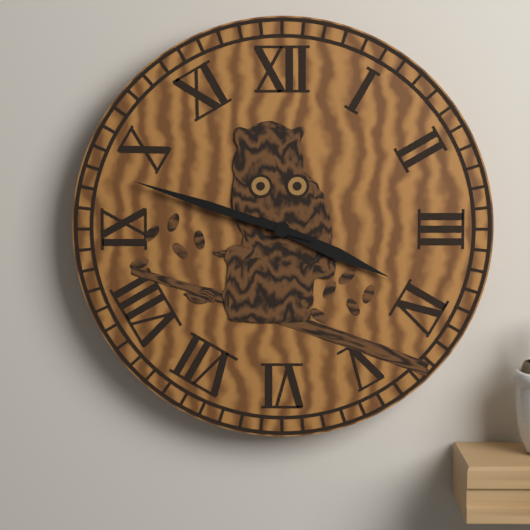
h=3 m=48
